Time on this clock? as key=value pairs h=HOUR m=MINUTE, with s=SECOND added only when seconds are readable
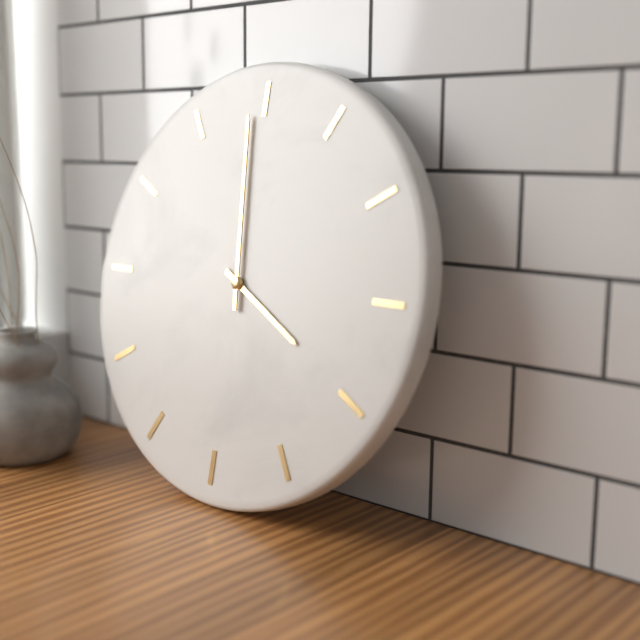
h=3 m=59
